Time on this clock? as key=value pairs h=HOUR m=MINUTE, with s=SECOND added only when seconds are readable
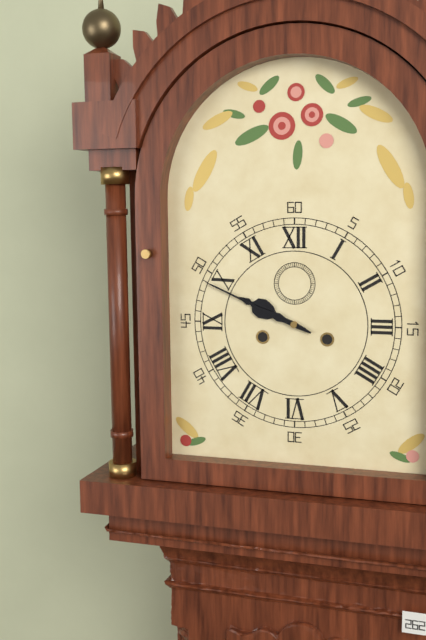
h=9 m=49
